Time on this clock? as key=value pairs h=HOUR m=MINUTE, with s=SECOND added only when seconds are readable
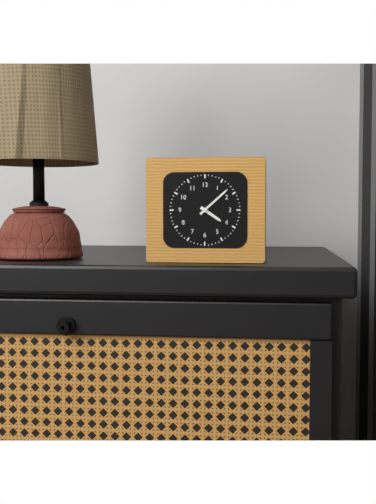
h=4 m=8
